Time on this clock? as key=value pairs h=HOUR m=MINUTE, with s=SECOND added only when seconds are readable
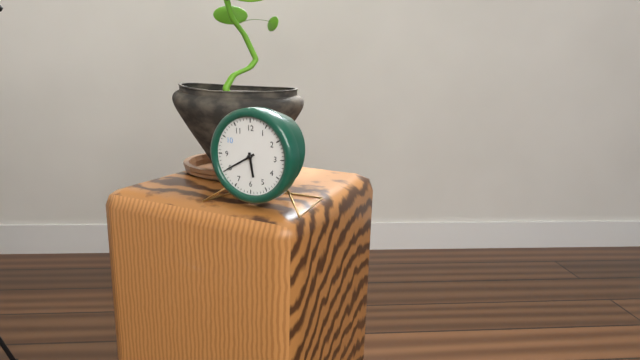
h=5 m=40
